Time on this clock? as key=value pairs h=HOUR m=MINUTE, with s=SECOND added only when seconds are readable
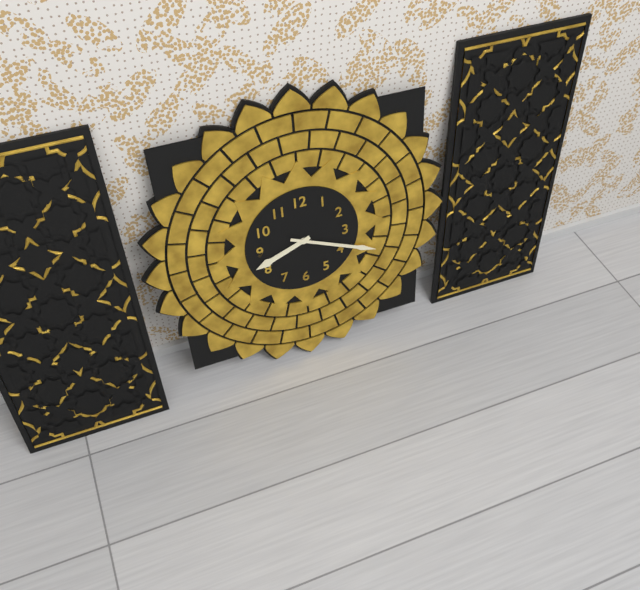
h=8 m=19
